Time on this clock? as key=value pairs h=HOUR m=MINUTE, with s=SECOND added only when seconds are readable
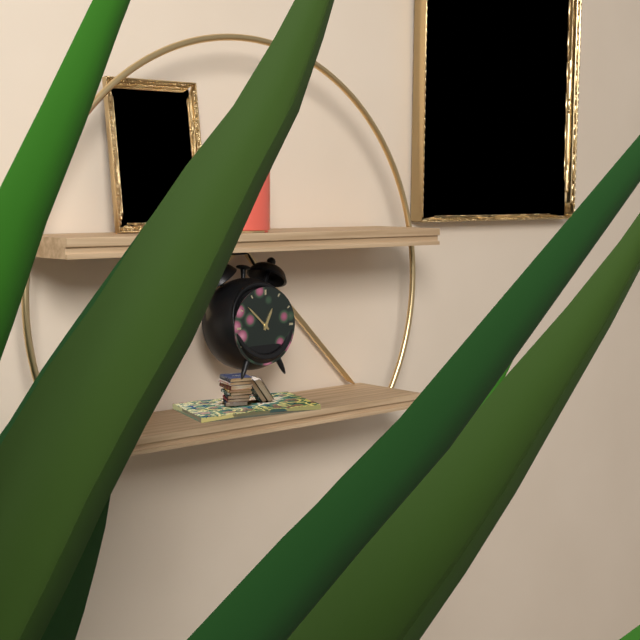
h=12 m=52
